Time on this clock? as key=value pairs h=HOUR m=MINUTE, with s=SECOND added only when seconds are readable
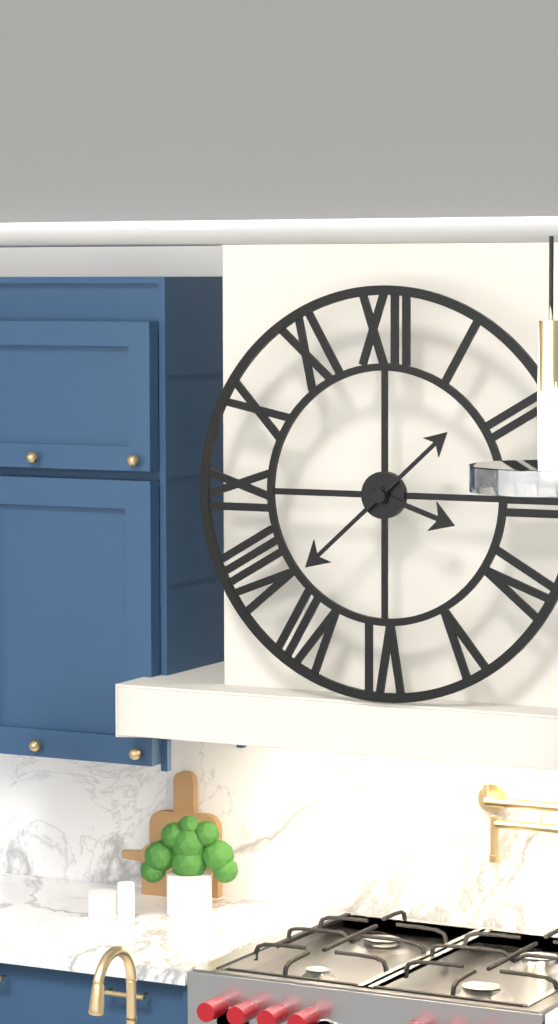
h=3 m=38
